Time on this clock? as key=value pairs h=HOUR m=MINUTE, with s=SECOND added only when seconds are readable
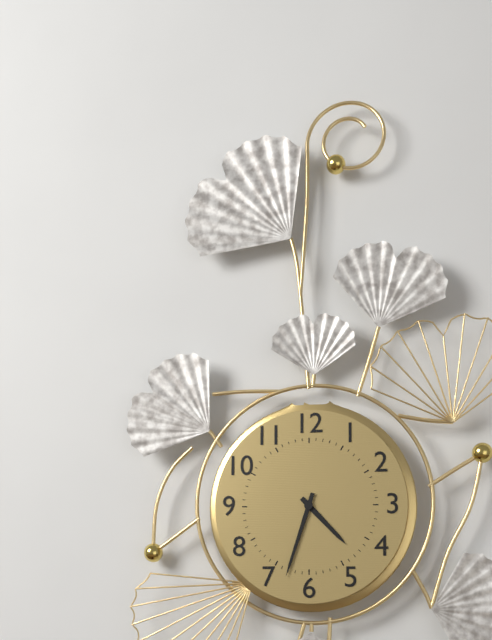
h=4 m=33
